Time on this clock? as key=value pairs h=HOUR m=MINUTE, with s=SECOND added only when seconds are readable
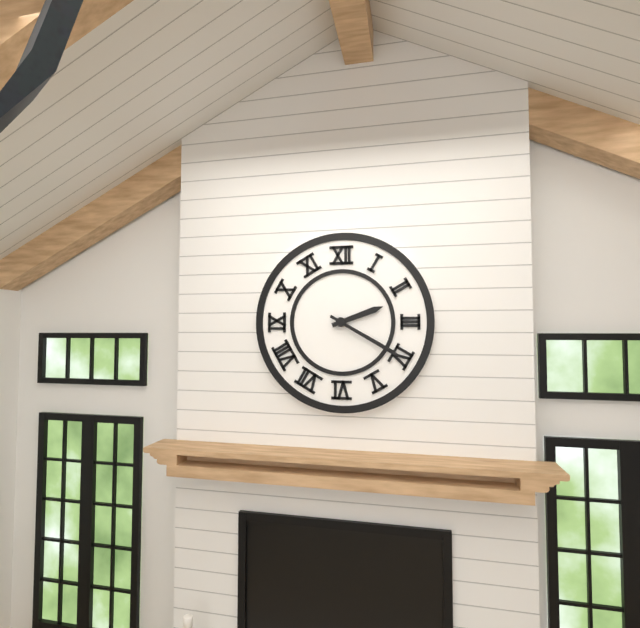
h=2 m=20
